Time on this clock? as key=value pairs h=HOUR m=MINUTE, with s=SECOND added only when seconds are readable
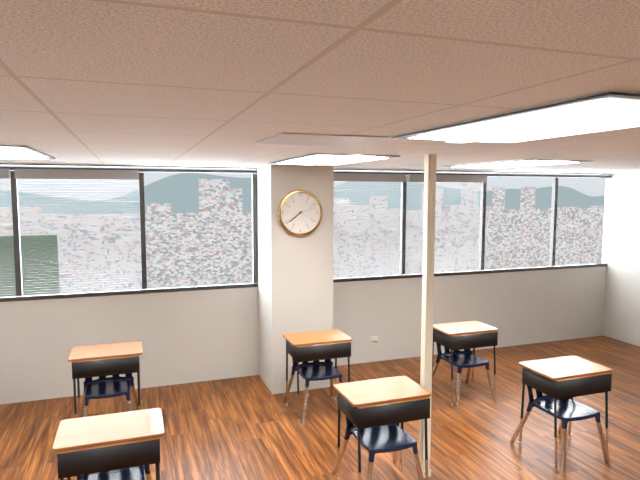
h=7 m=39
